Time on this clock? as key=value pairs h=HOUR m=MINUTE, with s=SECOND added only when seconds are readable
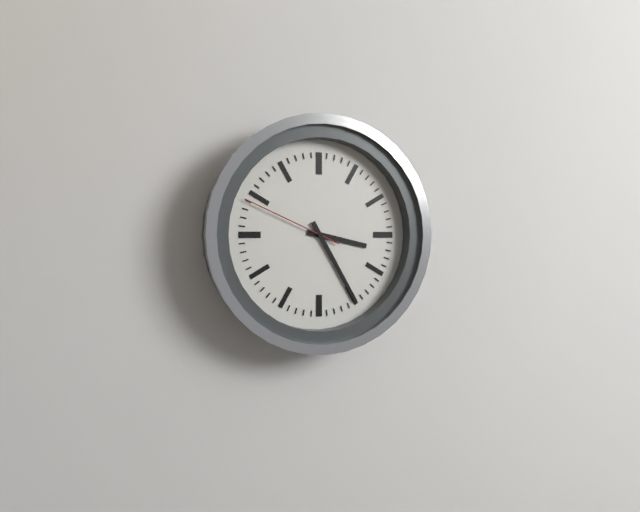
h=3 m=25 s=49
